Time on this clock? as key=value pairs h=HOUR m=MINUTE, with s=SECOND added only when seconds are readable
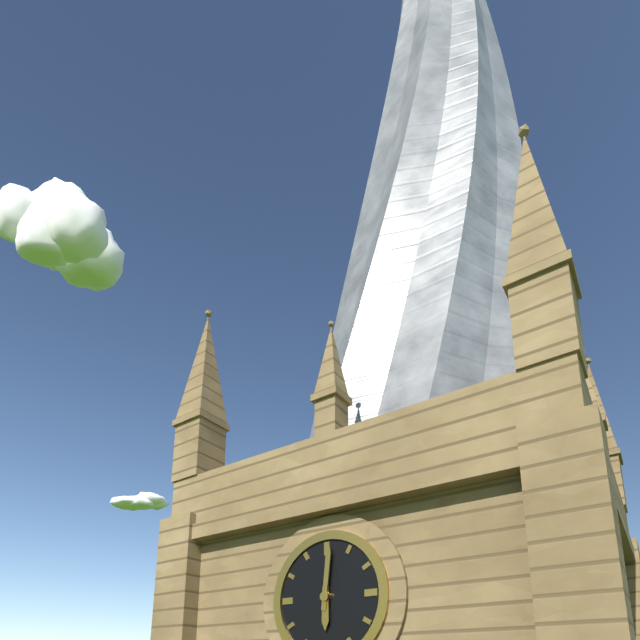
h=6 m=1
